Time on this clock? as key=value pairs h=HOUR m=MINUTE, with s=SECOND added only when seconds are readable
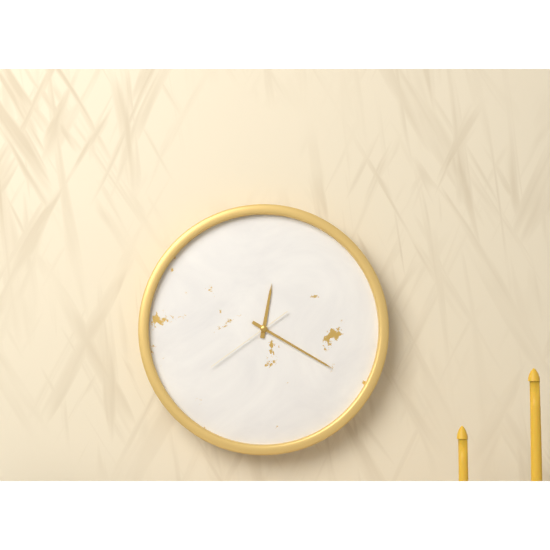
h=12 m=20 s=39
